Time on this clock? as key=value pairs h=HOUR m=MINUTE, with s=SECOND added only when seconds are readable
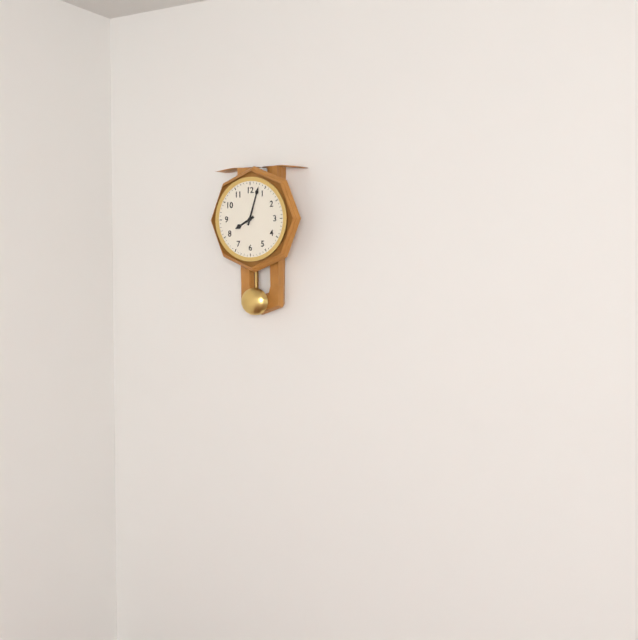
h=8 m=3
